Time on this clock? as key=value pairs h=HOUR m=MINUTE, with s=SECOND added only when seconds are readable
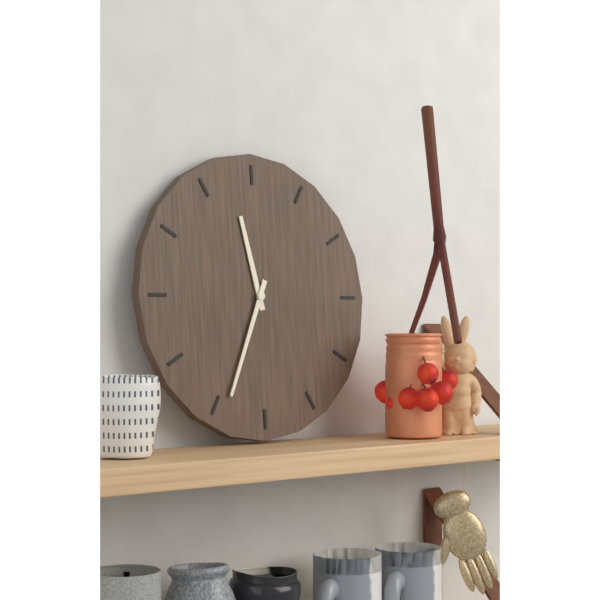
h=11 m=34
